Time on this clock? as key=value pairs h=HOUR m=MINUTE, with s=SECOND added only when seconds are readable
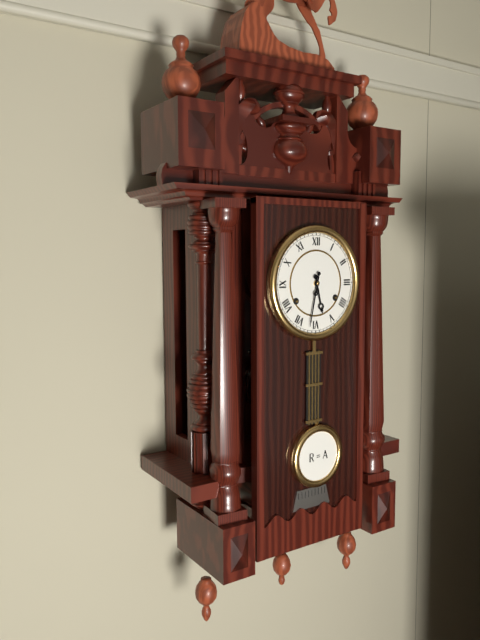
h=5 m=32
